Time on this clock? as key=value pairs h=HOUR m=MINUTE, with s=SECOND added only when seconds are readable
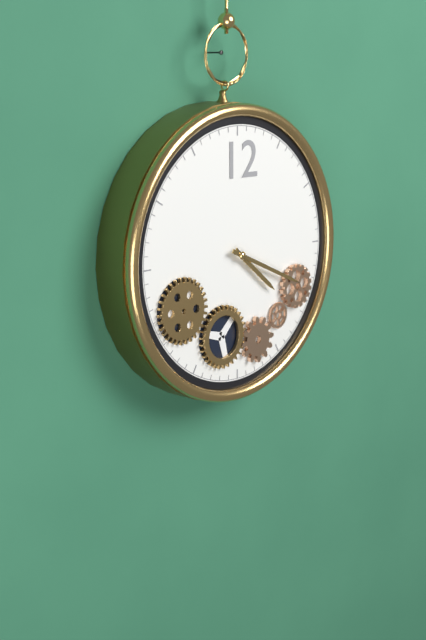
h=4 m=19
